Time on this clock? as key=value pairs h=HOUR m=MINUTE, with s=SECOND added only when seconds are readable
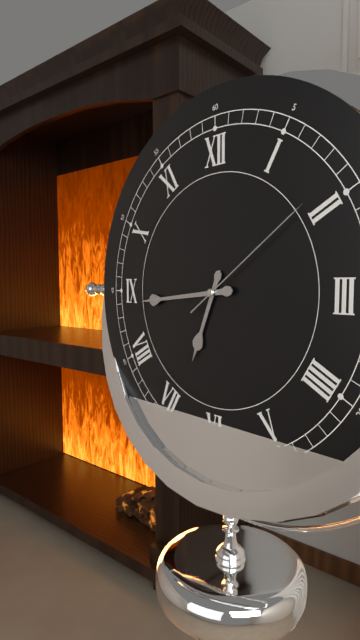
h=6 m=44 s=9
